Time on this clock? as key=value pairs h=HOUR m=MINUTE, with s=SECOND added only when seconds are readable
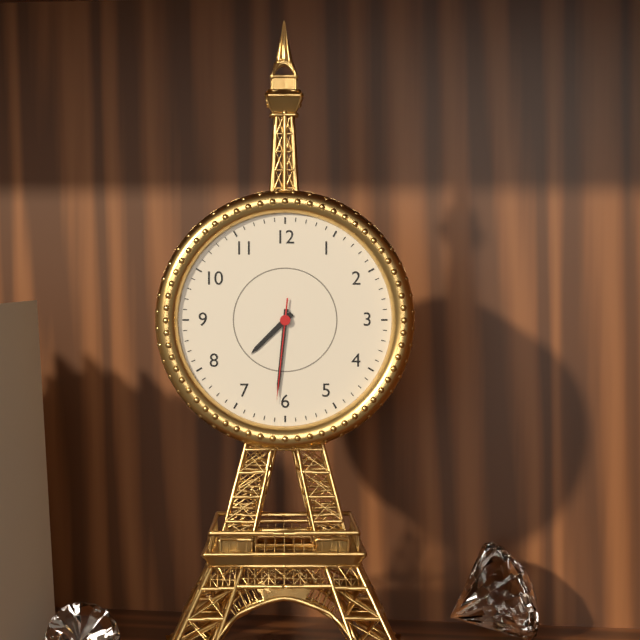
h=7 m=31 s=31
